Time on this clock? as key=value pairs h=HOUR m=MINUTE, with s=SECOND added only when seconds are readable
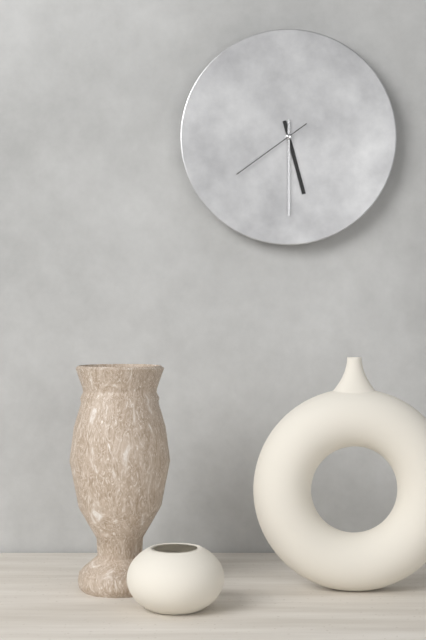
h=5 m=30 s=39
